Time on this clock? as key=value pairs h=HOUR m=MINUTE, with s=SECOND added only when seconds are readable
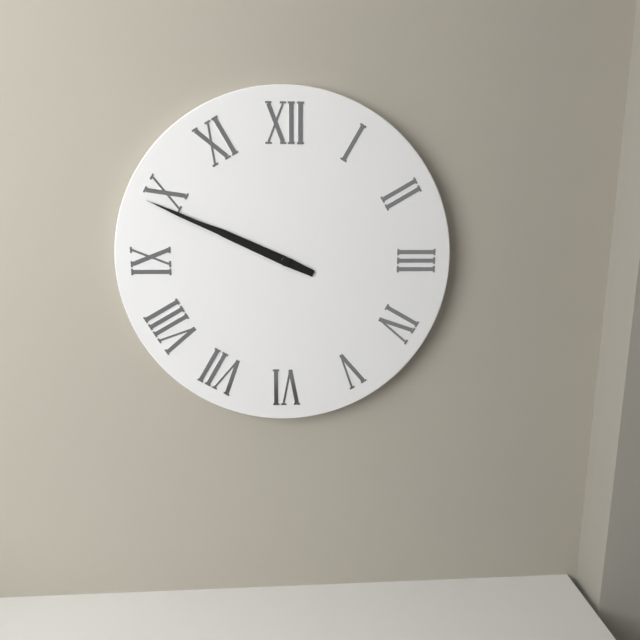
h=9 m=49
